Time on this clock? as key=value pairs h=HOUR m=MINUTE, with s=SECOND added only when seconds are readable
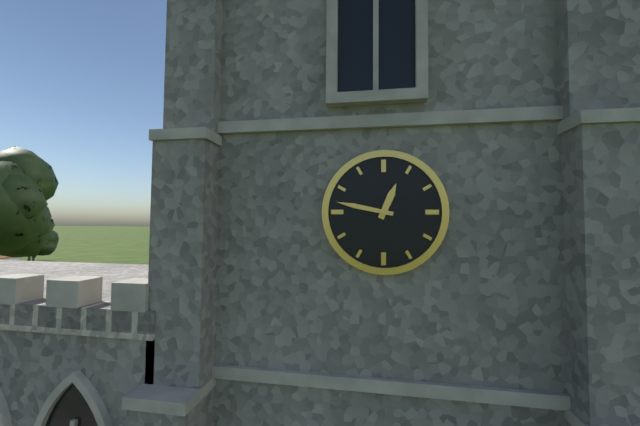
h=12 m=47
